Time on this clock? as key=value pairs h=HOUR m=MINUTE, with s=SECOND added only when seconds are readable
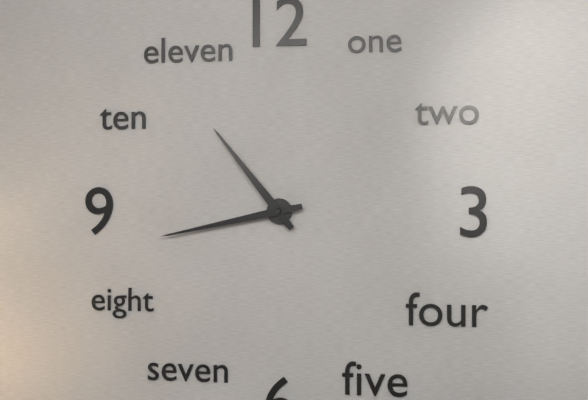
h=10 m=43
